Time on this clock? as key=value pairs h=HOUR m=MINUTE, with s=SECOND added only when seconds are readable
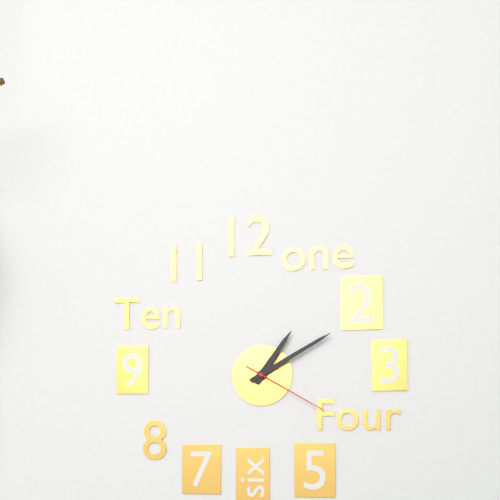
h=1 m=10 s=20
